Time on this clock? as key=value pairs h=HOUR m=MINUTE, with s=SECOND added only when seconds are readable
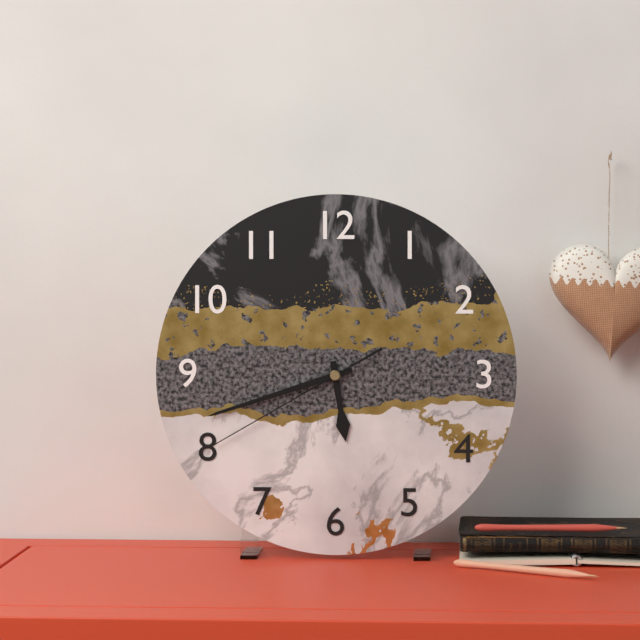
h=5 m=42 s=40
